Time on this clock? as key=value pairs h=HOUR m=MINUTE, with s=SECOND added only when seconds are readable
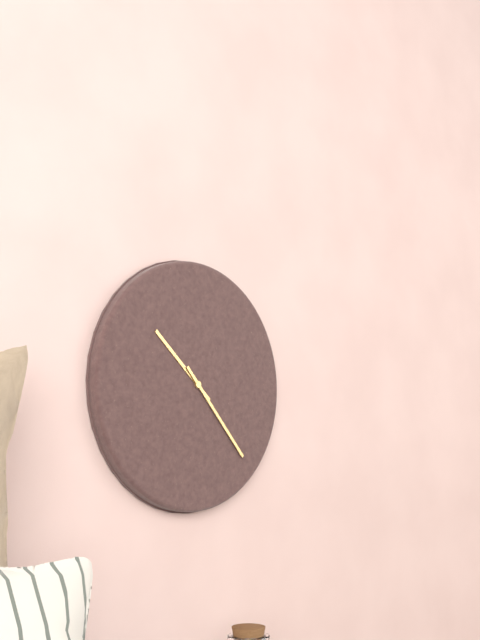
h=10 m=23
